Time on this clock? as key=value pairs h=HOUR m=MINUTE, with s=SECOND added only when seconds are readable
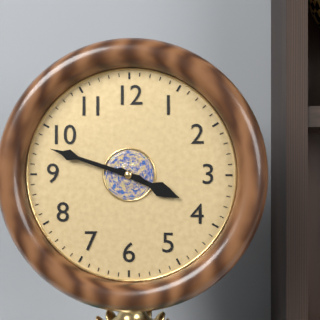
h=3 m=48
